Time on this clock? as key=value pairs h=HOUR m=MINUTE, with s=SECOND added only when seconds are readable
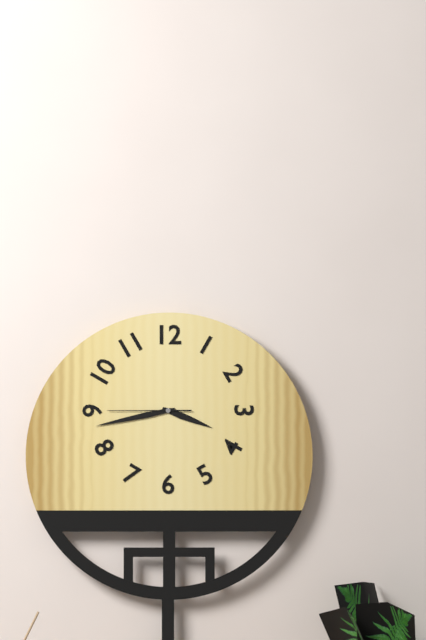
h=3 m=43 s=45
